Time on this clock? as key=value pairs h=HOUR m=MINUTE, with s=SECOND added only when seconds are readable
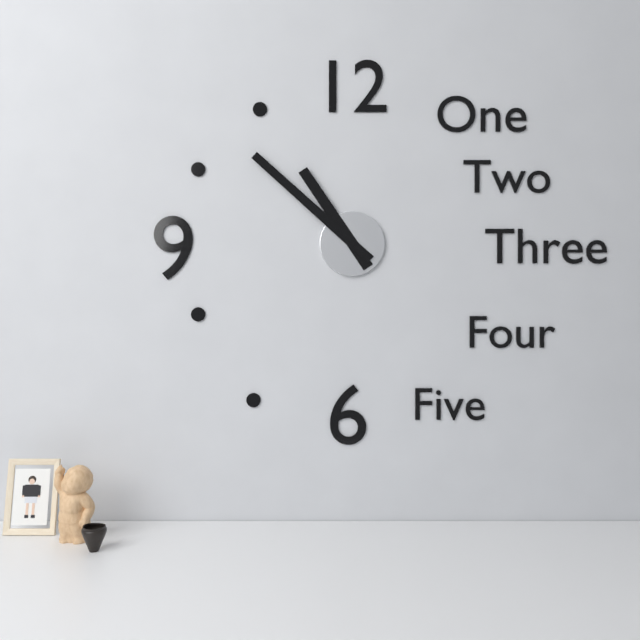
h=10 m=52
